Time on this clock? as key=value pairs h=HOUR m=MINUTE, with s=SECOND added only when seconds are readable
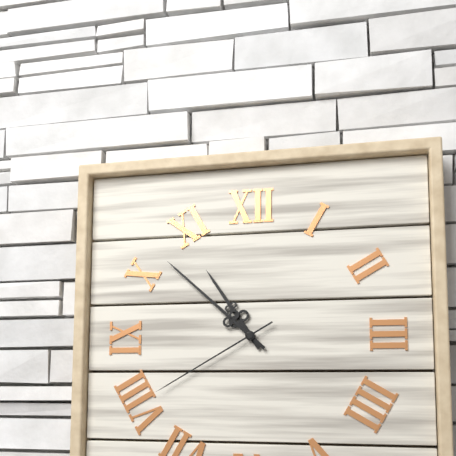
h=10 m=52 s=40
